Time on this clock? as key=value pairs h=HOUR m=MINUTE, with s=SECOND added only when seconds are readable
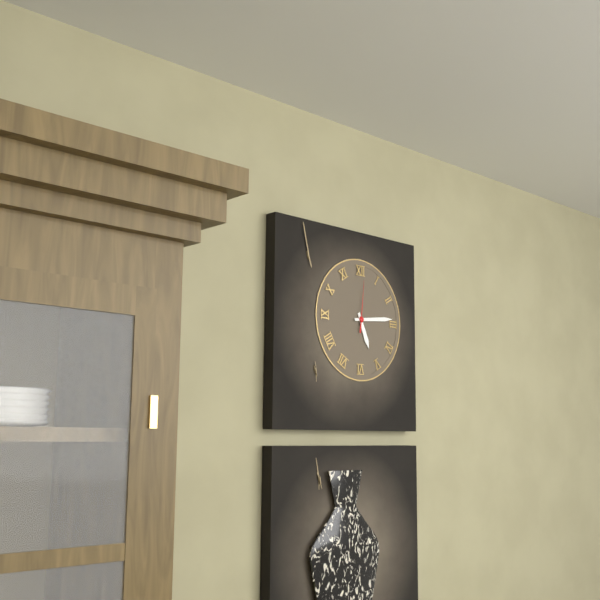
h=5 m=14
